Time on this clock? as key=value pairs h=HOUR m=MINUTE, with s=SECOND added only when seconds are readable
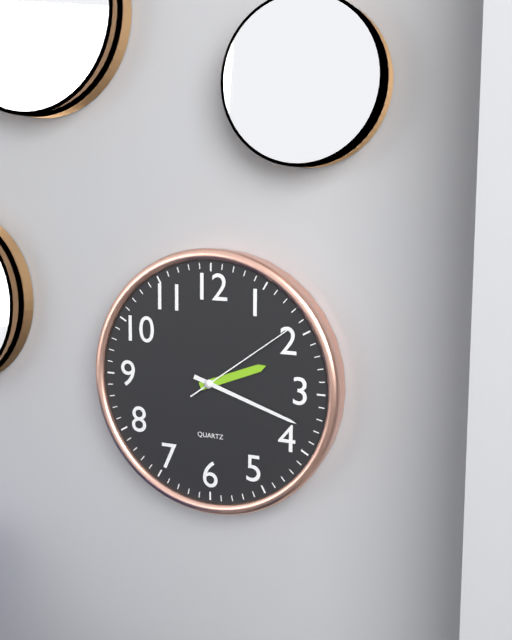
h=2 m=18 s=9
